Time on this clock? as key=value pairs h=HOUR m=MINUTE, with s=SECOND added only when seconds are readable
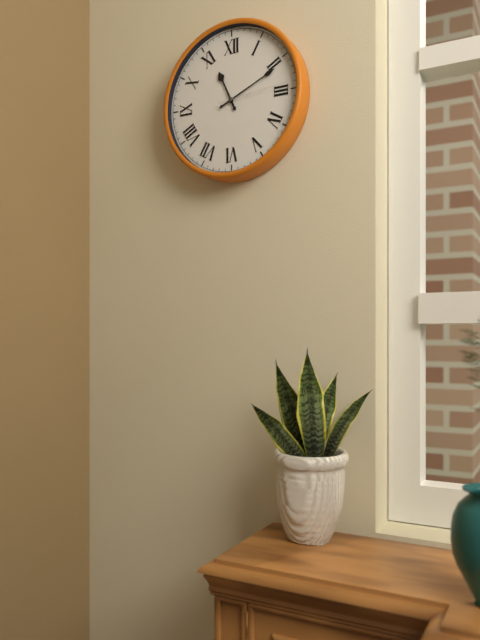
h=11 m=11 s=14
